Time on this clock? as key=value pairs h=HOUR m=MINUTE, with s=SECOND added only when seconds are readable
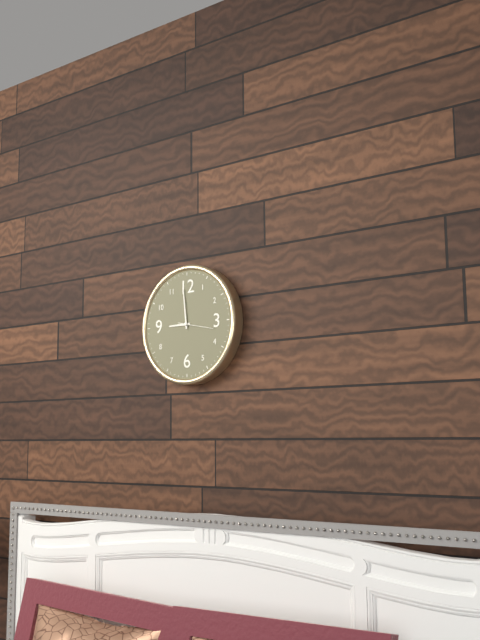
h=8 m=59
